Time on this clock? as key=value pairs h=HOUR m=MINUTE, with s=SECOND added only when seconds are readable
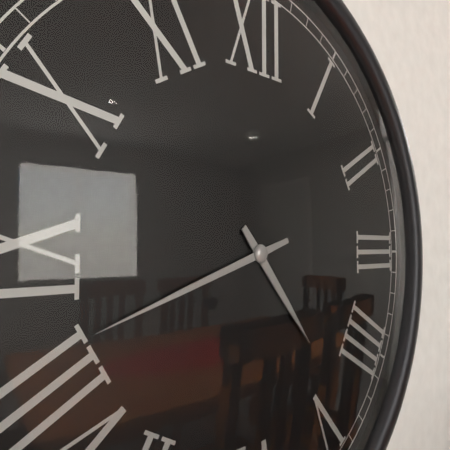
h=4 m=42
